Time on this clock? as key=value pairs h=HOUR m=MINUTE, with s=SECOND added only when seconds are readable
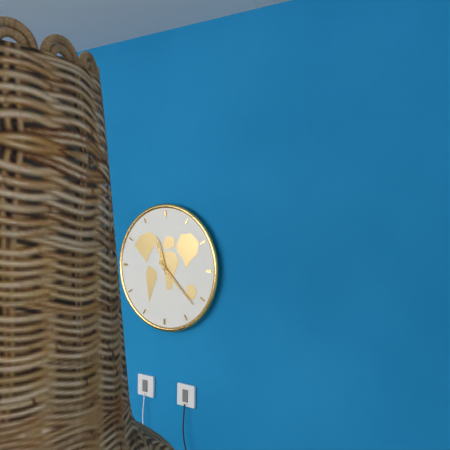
h=11 m=22
